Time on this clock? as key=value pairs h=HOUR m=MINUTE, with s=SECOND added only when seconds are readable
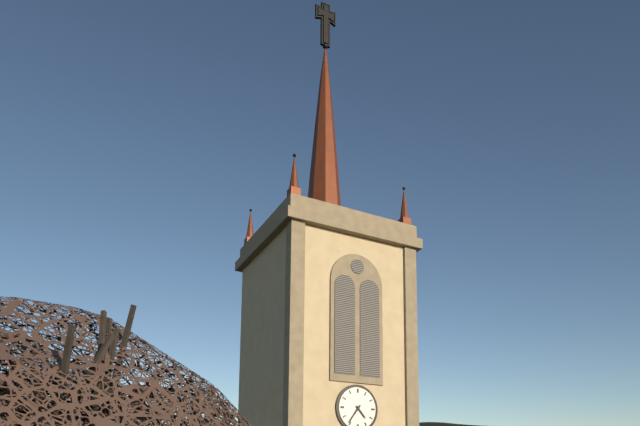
h=4 m=36
